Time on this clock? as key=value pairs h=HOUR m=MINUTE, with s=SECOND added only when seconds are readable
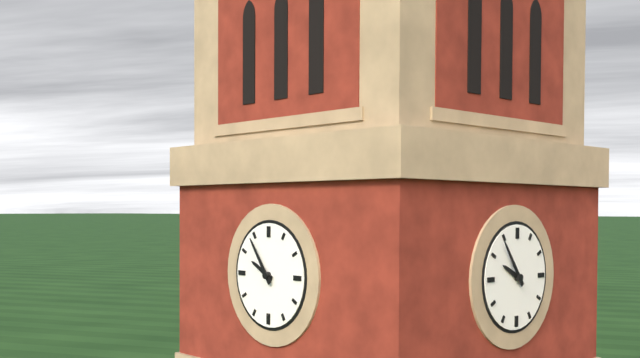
h=9 m=54
